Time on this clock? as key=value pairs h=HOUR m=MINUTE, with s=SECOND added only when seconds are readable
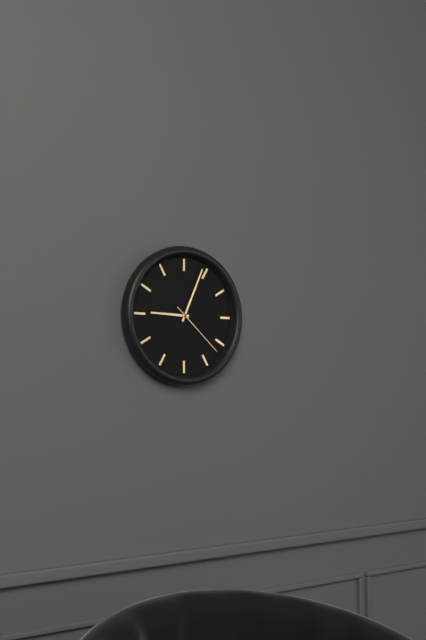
h=9 m=4 s=22
